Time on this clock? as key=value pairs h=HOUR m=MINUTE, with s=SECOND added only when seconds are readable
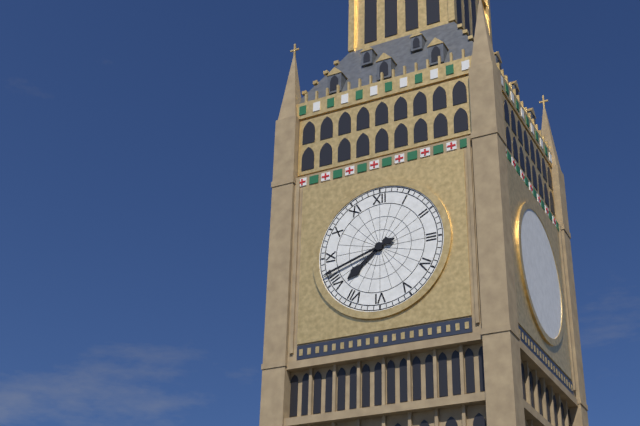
h=7 m=42
